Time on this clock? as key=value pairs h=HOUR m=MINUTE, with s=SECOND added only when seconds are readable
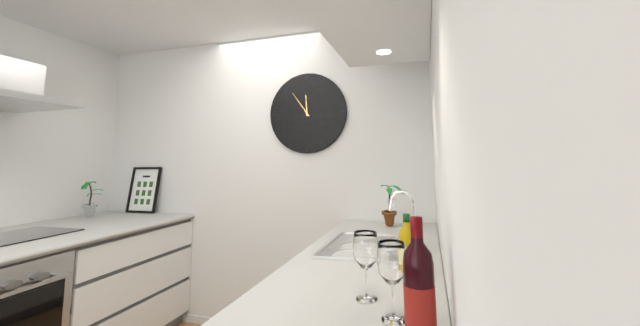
h=11 m=54
